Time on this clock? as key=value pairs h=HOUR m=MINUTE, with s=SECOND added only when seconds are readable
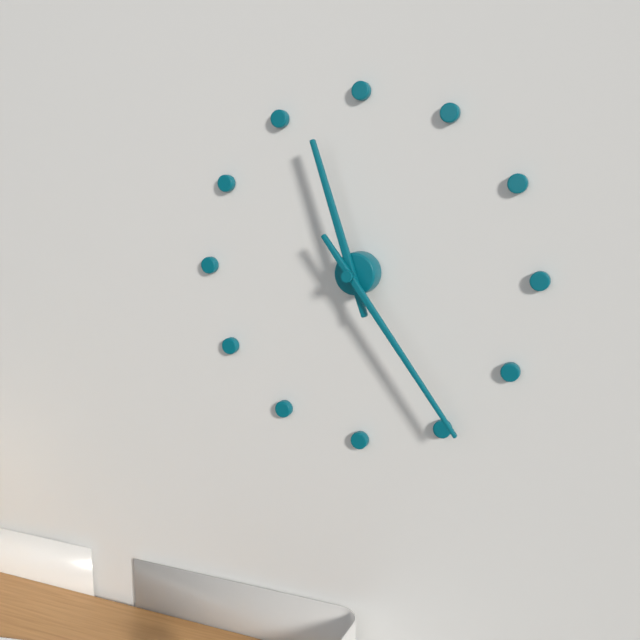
h=11 m=24
